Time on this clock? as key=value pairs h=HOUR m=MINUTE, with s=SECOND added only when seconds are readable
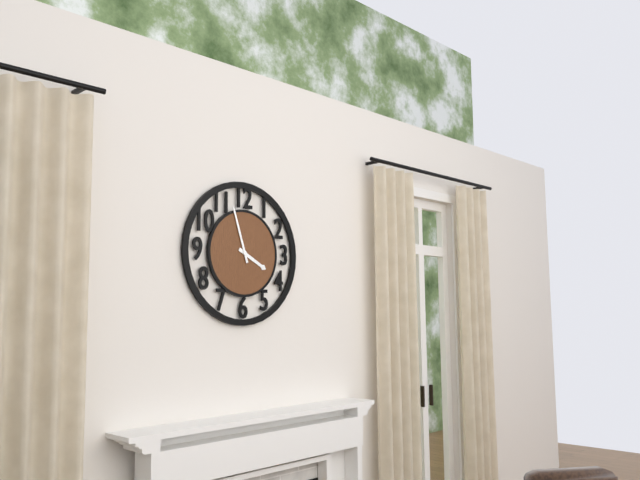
h=3 m=57
